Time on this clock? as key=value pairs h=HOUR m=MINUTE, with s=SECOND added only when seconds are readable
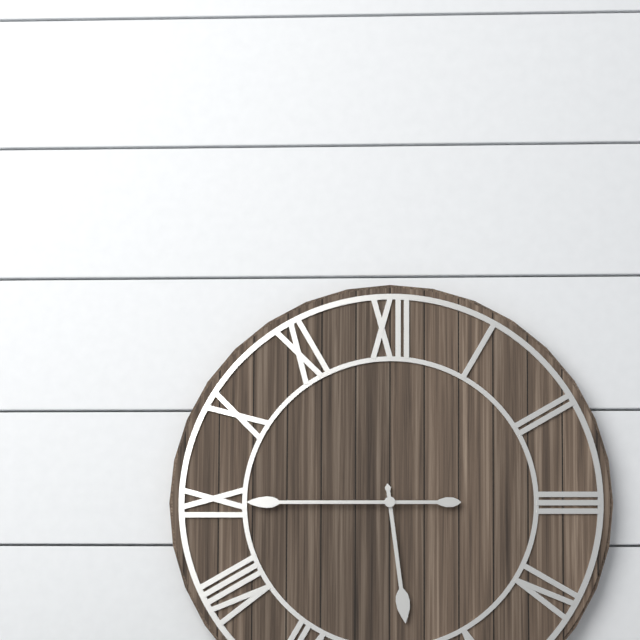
h=5 m=45
